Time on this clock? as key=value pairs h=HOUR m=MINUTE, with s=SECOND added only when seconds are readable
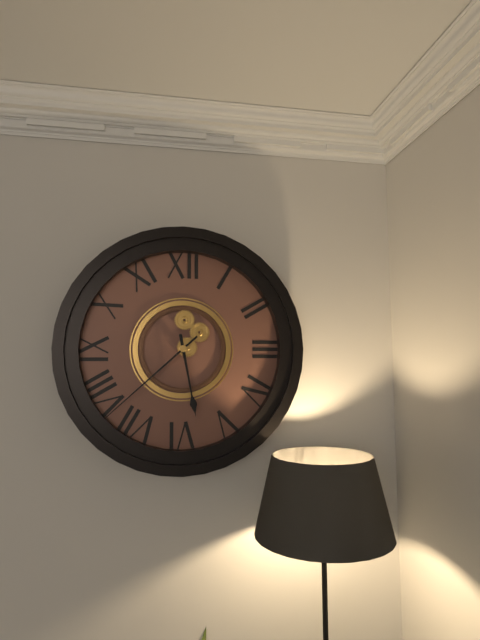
h=5 m=38
